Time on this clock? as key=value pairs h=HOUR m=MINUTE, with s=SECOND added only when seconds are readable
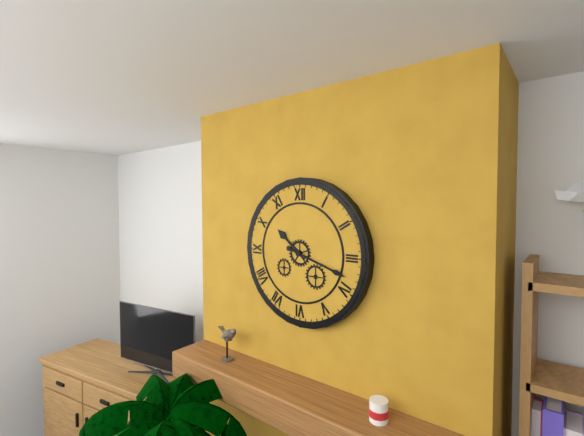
h=10 m=18
